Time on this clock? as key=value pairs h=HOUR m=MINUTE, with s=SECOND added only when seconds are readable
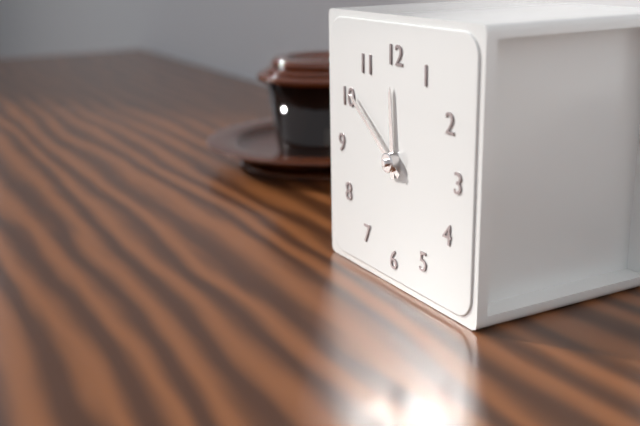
h=11 m=51
